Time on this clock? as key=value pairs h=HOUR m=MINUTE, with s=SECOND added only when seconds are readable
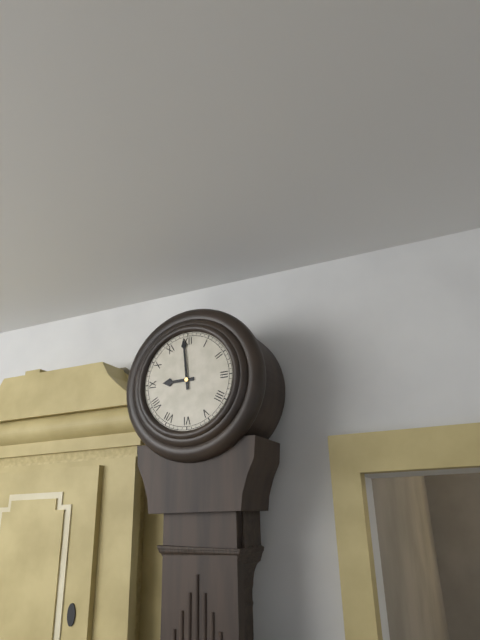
h=8 m=59
